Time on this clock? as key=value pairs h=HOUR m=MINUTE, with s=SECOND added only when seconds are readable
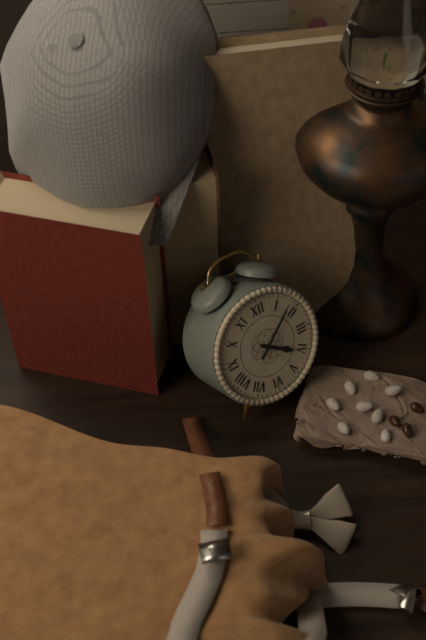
h=4 m=8
